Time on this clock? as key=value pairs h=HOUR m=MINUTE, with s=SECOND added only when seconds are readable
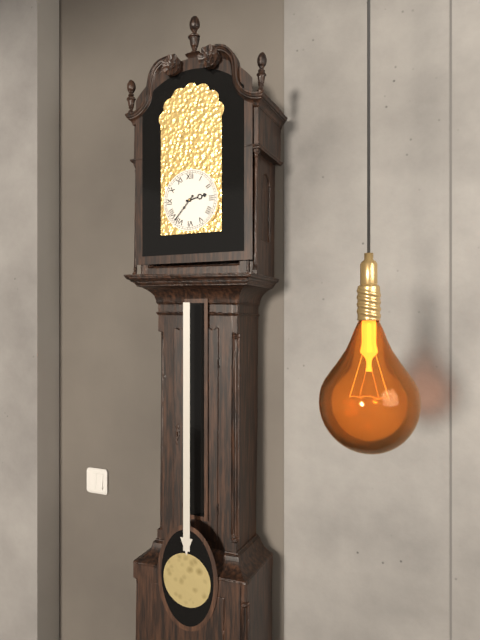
h=2 m=37
